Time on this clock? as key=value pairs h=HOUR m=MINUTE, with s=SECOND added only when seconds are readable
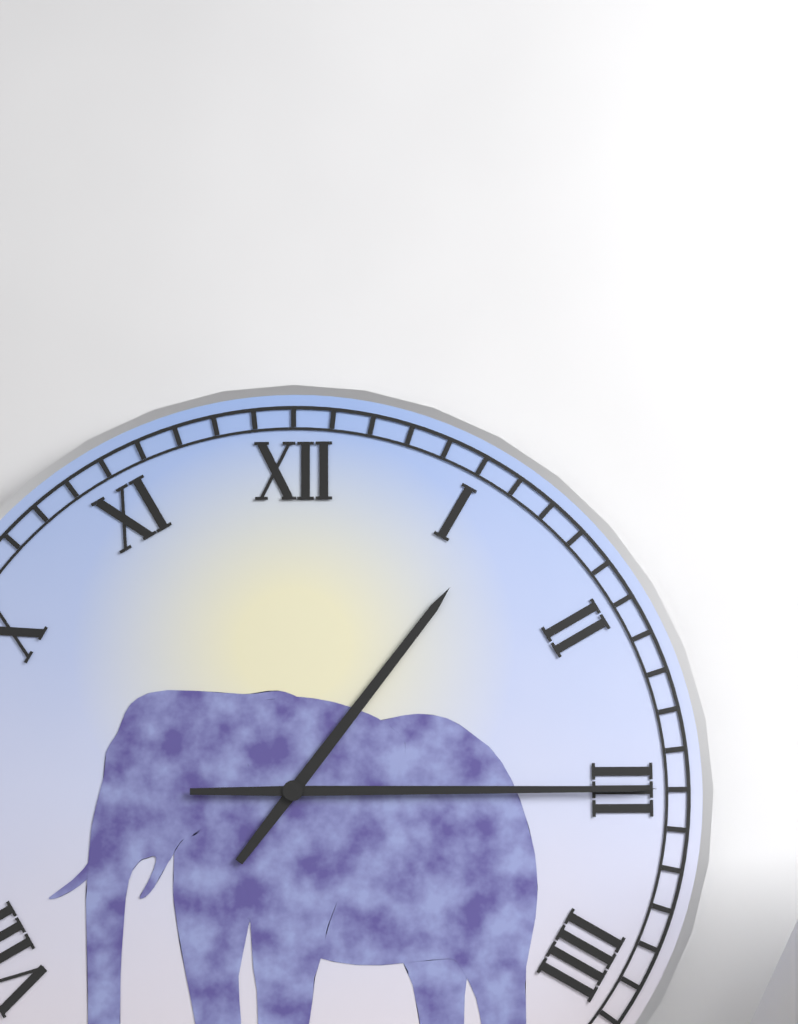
h=1 m=15
